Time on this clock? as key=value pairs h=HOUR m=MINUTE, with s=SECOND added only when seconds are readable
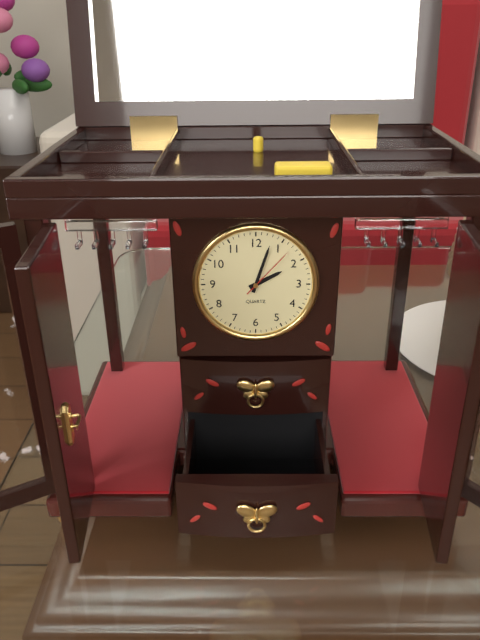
h=2 m=3 s=7
